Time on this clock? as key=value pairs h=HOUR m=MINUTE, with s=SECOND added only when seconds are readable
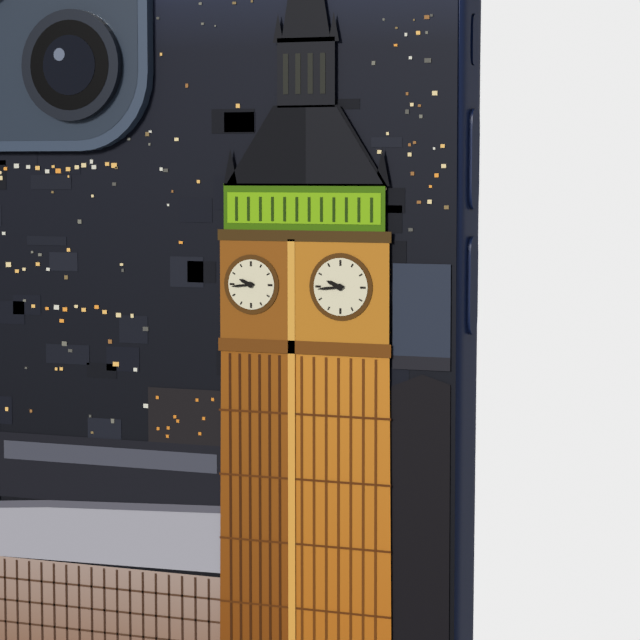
h=9 m=44
